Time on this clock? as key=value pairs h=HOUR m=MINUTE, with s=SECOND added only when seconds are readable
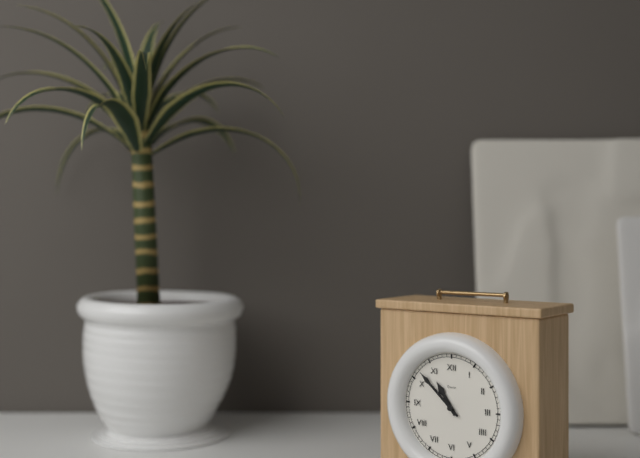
h=10 m=52
